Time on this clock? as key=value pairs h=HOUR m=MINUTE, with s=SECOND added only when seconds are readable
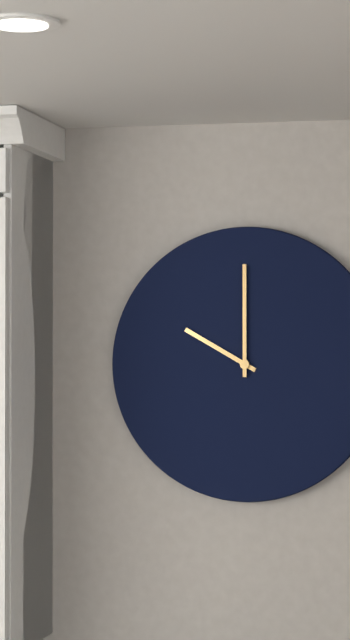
h=10 m=0
